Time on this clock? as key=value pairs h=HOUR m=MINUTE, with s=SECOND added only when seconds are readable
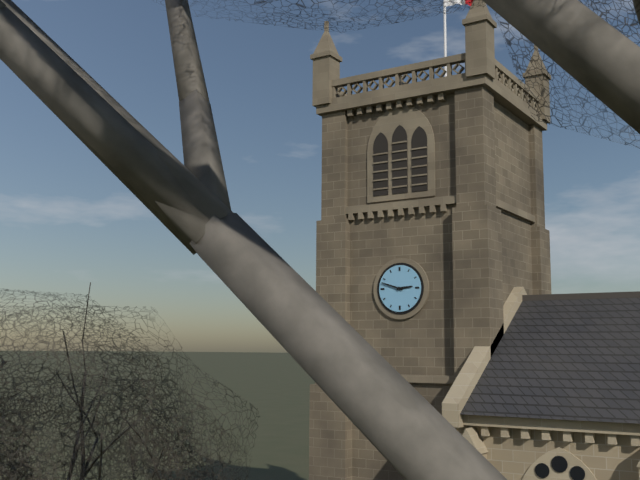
h=2 m=48
